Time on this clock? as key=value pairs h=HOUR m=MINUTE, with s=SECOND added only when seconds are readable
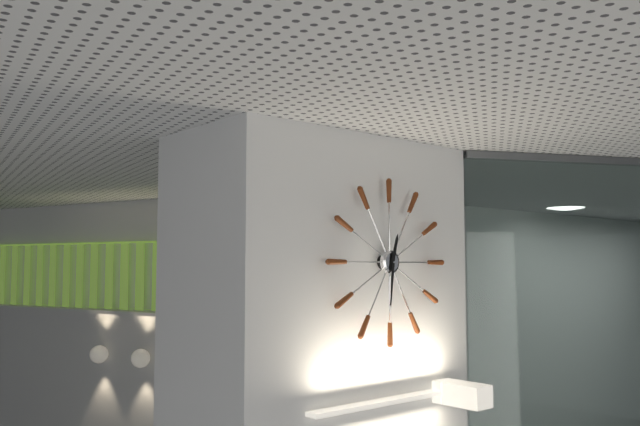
h=12 m=31
